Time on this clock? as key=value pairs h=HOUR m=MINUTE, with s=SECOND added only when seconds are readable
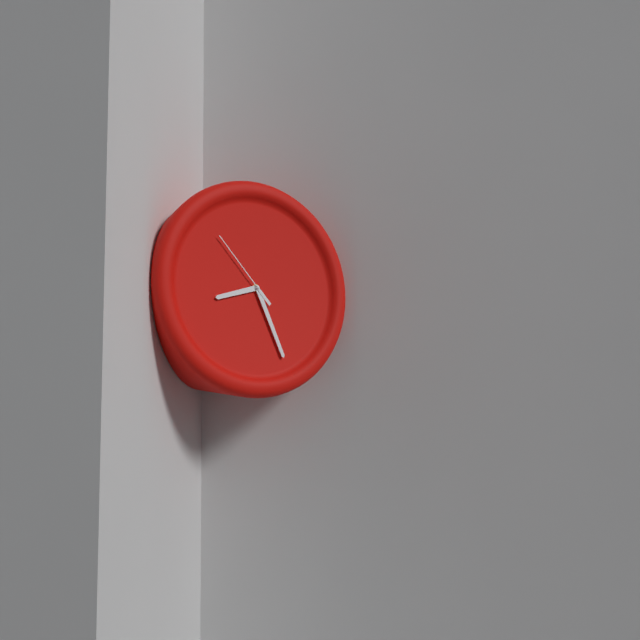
h=8 m=26 s=53
